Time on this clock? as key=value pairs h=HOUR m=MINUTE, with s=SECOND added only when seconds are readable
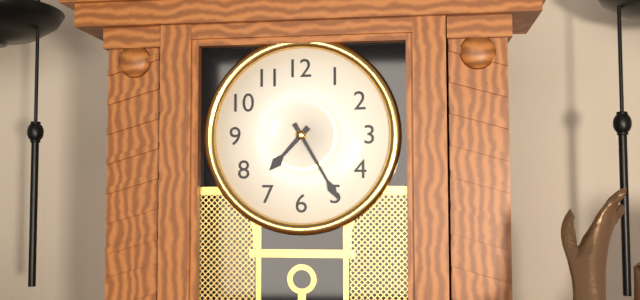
h=7 m=25
